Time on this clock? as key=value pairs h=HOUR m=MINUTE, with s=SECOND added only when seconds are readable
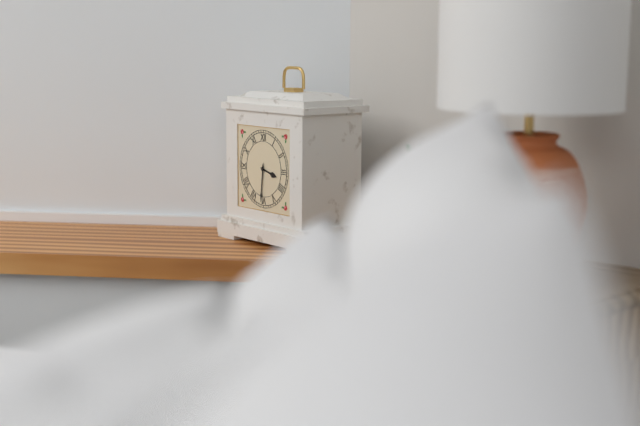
h=3 m=31
